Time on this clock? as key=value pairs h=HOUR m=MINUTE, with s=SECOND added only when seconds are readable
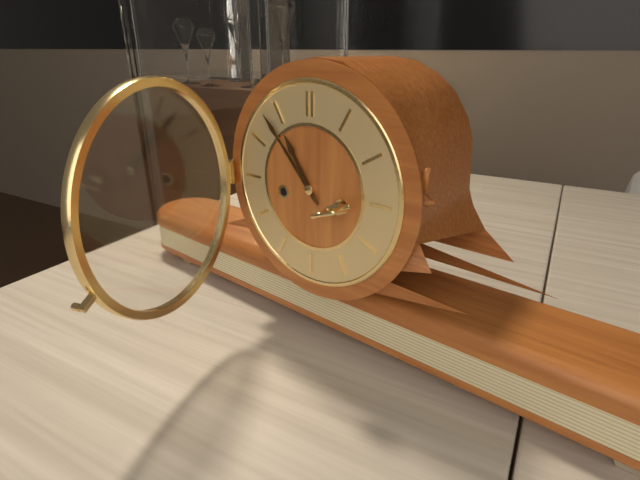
h=10 m=53
